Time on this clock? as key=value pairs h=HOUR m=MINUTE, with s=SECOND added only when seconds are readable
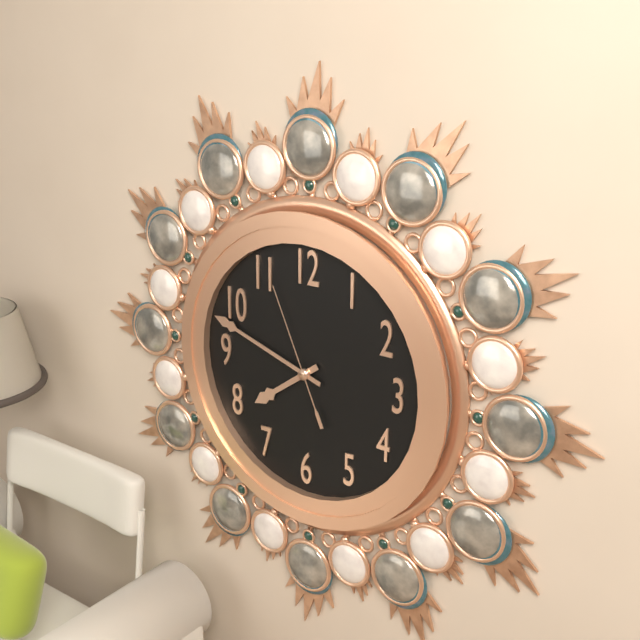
h=7 m=48 s=56
